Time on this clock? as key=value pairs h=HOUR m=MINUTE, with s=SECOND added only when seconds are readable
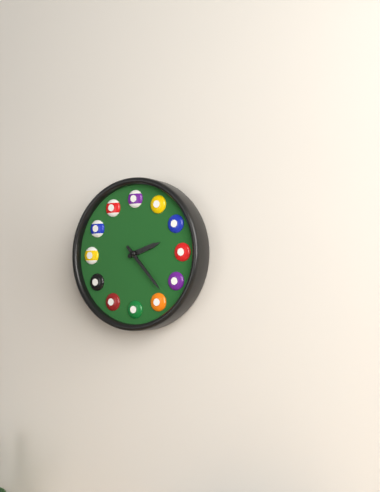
h=2 m=23
